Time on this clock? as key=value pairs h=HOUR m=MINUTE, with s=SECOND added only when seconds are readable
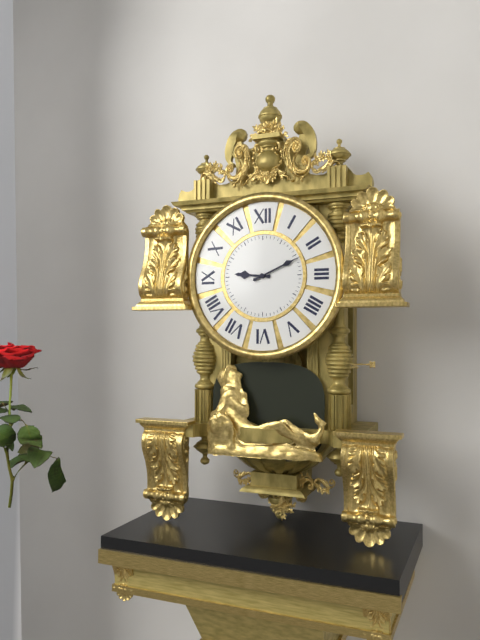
h=9 m=11
